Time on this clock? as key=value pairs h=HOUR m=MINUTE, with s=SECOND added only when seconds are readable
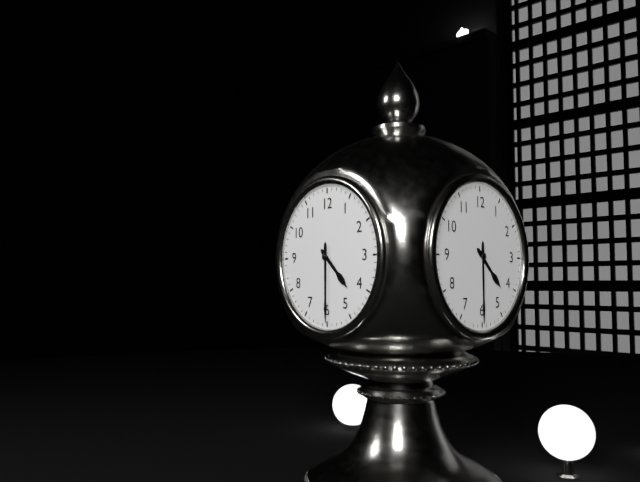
h=4 m=30
